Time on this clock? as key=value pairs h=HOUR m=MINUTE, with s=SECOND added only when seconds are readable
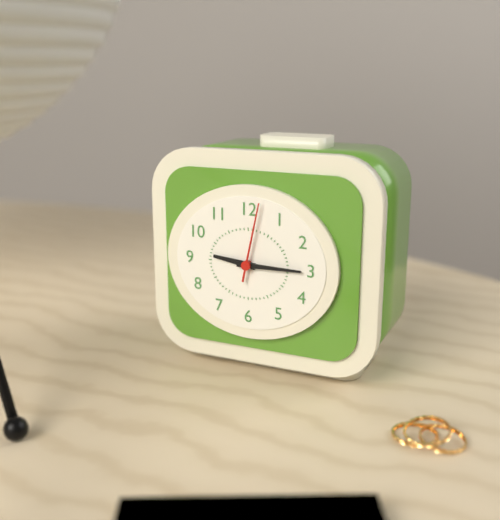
h=9 m=15 s=2
